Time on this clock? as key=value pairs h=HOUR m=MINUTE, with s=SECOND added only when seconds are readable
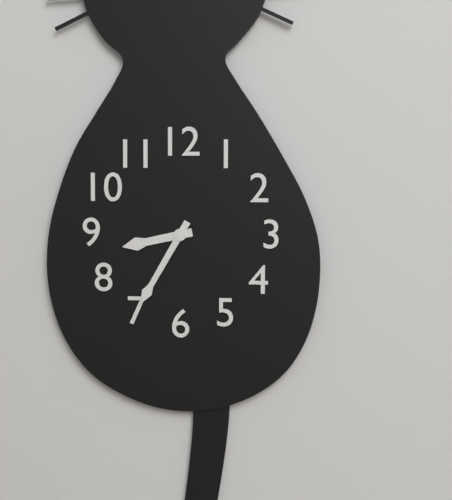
h=8 m=35
